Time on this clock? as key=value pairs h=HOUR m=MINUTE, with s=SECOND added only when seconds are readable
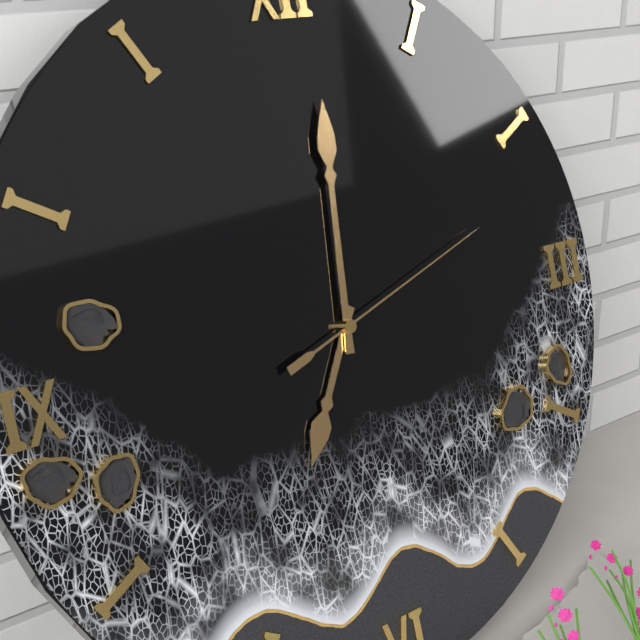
h=7 m=1 s=12
